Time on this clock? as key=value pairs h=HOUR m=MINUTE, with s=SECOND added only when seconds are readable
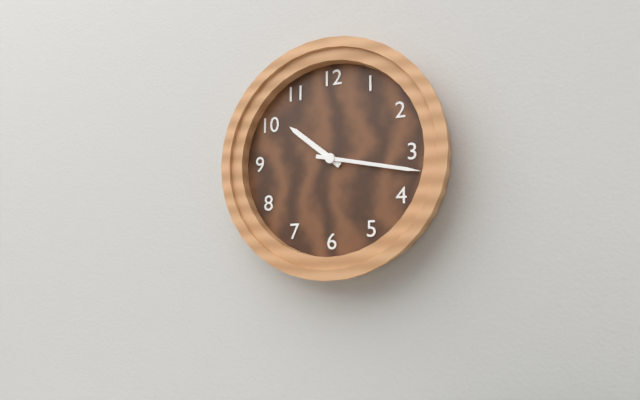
h=10 m=17
